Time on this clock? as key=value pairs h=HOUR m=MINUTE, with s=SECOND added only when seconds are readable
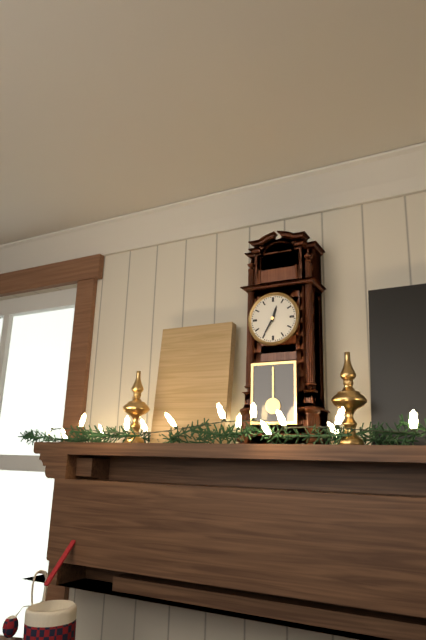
h=12 m=35
